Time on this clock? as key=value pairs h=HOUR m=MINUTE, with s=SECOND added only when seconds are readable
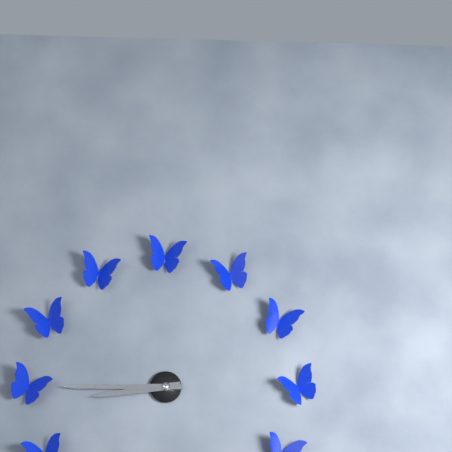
h=8 m=45
